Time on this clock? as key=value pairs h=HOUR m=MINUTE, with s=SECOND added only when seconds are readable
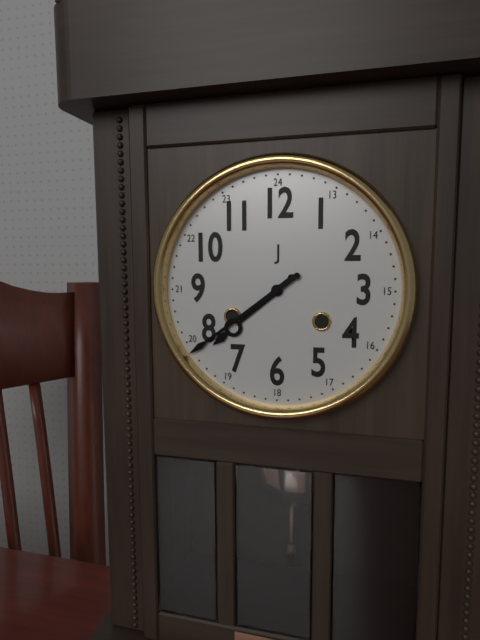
h=7 m=39
